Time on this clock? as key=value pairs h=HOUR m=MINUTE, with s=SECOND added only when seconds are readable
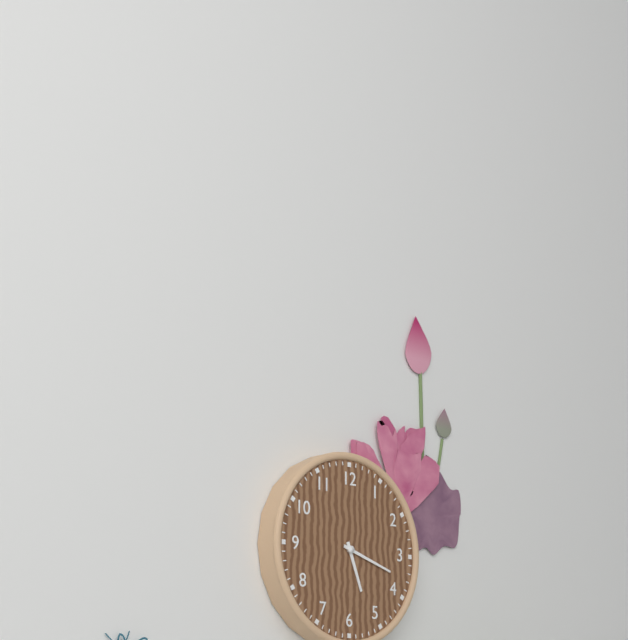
h=5 m=18
